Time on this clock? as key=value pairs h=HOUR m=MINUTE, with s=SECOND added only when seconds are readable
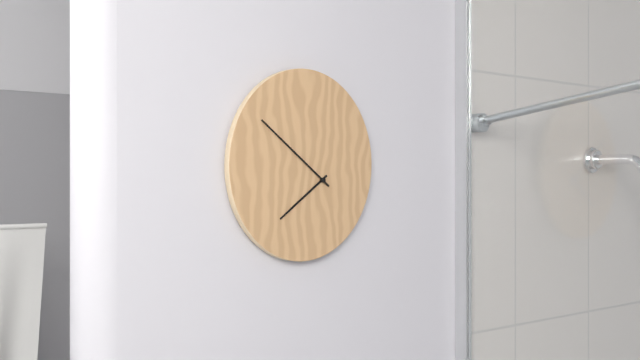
h=7 m=51
